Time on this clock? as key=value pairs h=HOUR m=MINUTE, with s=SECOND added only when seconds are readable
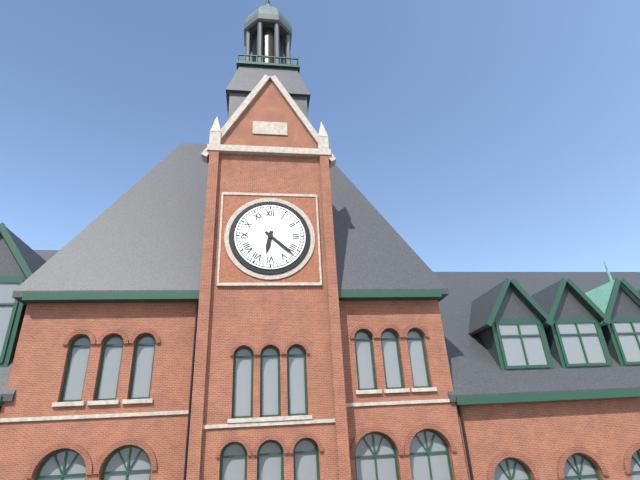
h=6 m=22
